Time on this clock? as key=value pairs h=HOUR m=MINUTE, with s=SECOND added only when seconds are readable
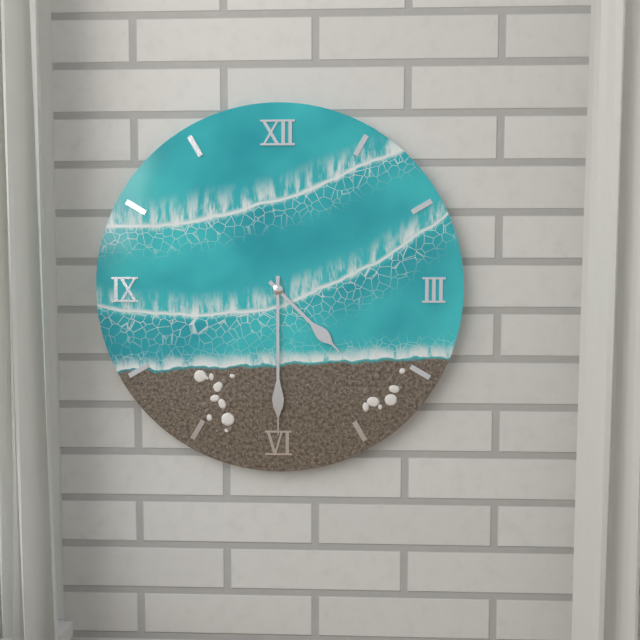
h=4 m=30
